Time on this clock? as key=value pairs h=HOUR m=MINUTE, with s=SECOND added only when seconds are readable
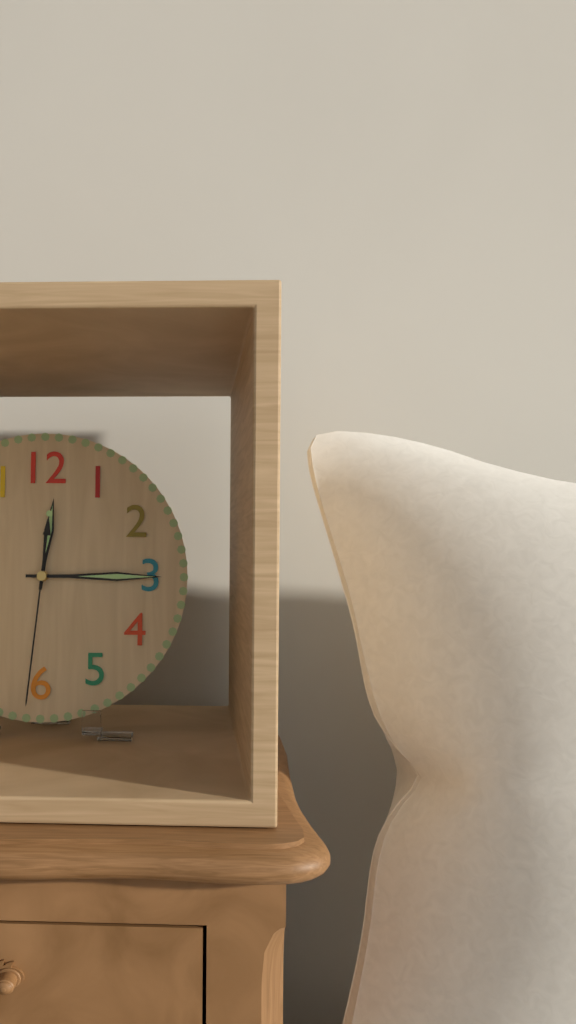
h=12 m=15 s=31
